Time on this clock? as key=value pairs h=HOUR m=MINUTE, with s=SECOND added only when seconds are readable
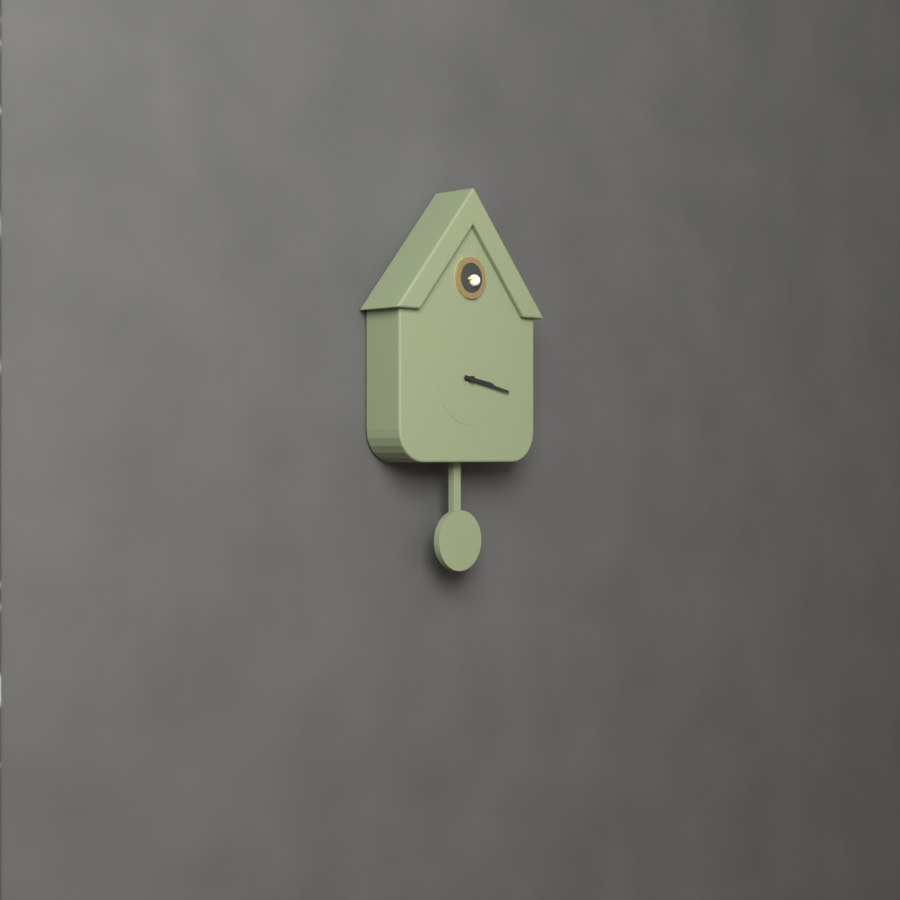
h=3 m=17
